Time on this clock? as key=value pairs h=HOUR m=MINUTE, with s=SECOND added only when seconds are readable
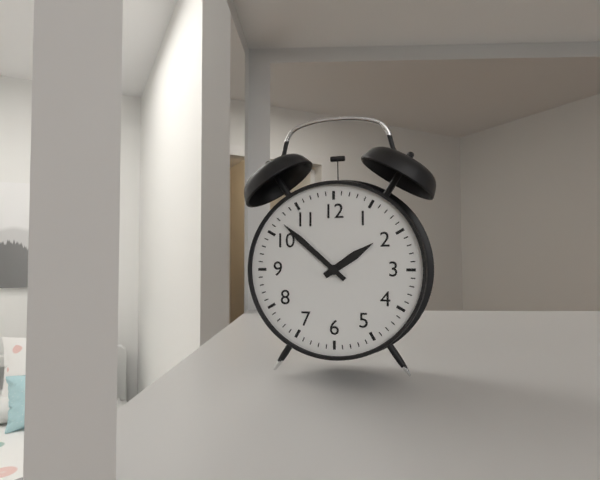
h=1 m=52
